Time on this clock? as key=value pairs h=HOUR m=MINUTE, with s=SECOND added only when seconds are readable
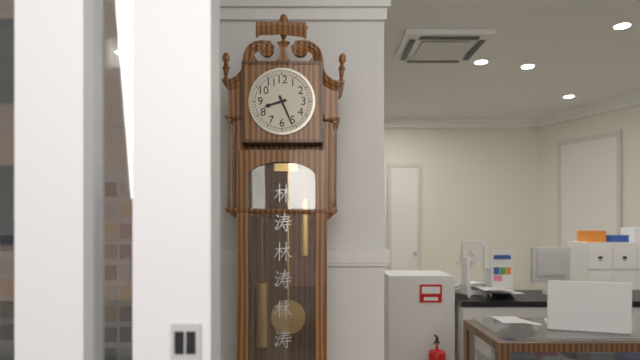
h=8 m=26
